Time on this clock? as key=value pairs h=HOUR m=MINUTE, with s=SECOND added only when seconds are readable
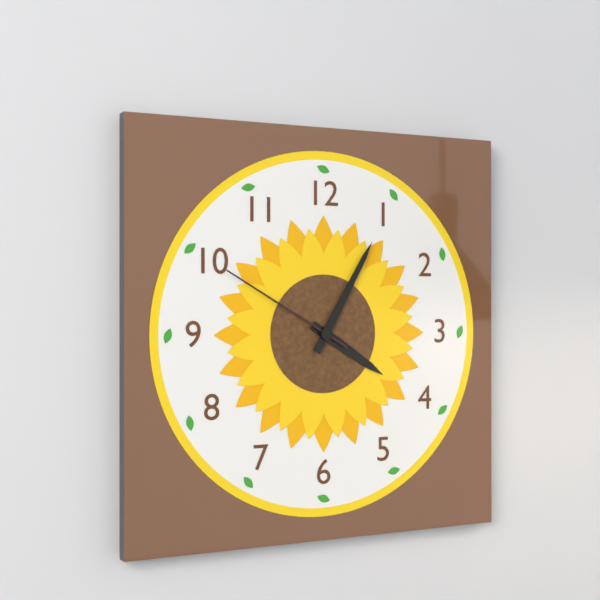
h=4 m=5 s=50
